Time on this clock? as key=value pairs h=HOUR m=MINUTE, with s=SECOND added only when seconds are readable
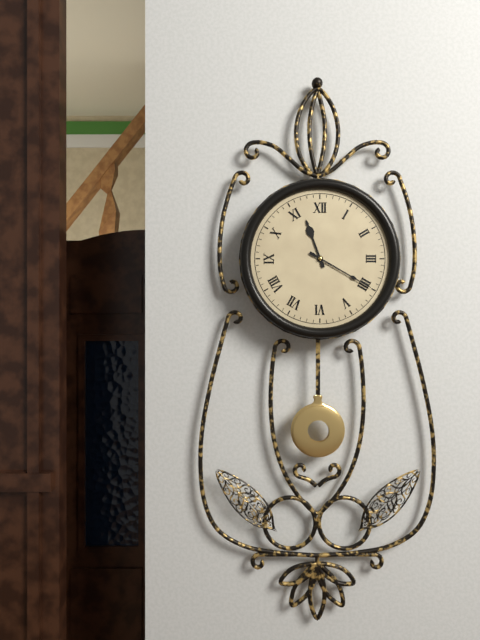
h=11 m=20
